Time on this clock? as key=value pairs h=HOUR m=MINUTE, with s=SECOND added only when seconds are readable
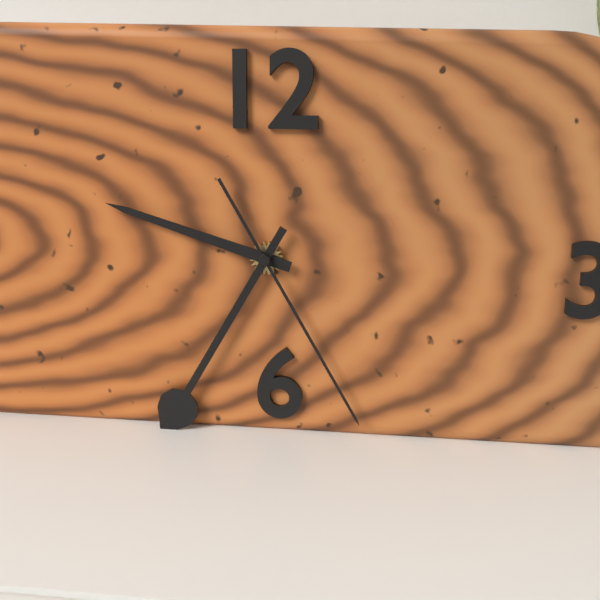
h=9 m=35 s=25
